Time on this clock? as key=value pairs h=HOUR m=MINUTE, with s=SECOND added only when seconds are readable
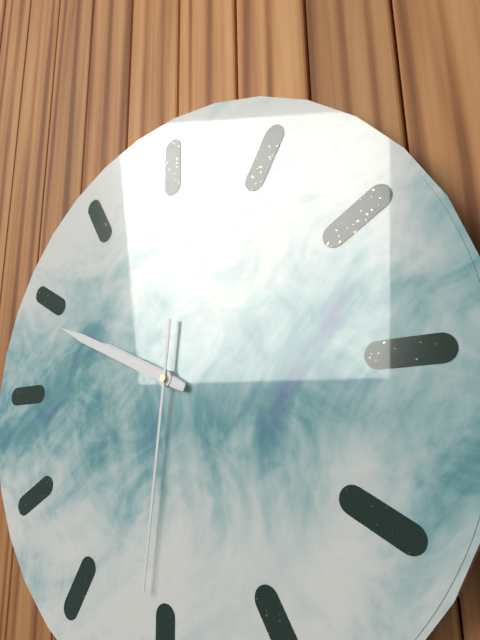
h=9 m=49 s=31
